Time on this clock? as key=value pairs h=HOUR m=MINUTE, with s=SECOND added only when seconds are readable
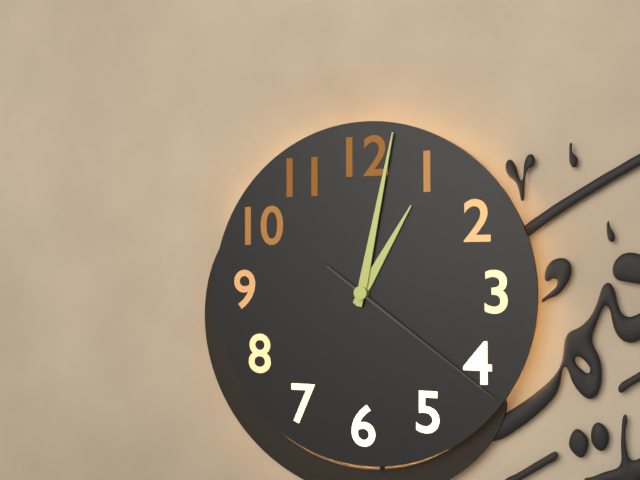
h=1 m=2 s=21
